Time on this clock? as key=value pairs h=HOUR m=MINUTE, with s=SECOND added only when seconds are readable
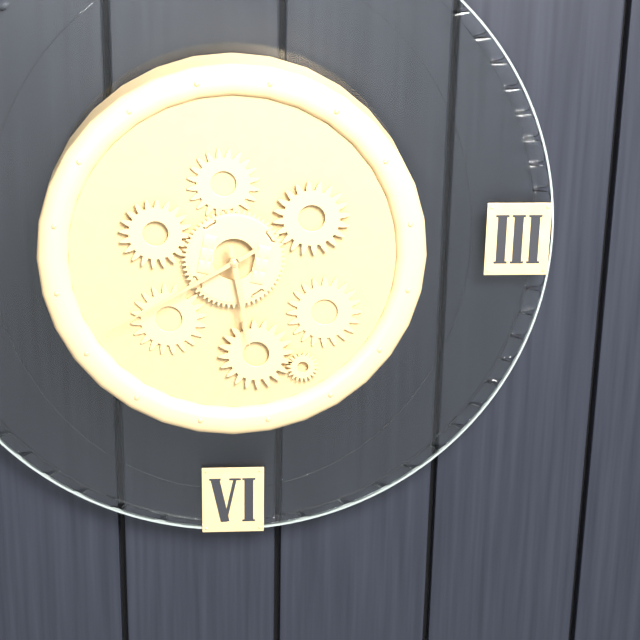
h=5 m=40
